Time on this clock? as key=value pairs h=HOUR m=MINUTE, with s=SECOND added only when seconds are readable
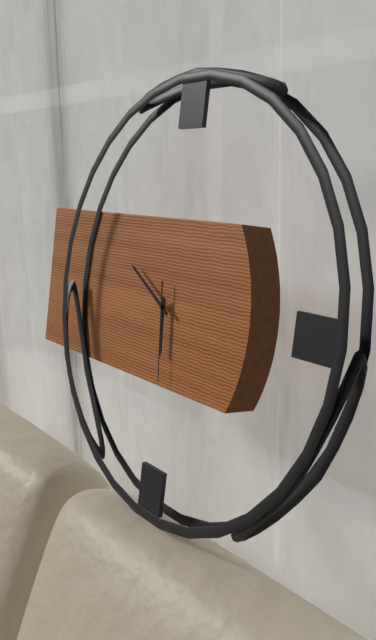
h=5 m=50 s=29
